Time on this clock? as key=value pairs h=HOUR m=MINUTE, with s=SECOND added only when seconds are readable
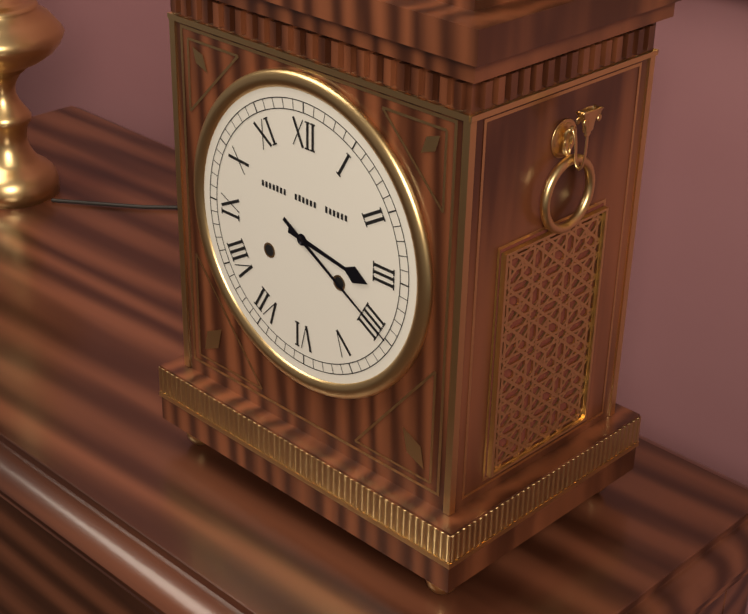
h=3 m=20
